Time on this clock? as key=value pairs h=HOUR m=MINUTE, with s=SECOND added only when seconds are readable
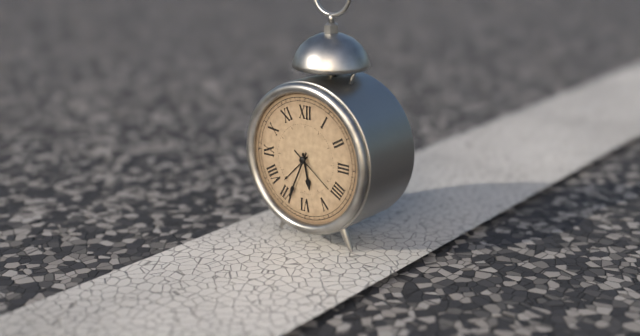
h=5 m=34
